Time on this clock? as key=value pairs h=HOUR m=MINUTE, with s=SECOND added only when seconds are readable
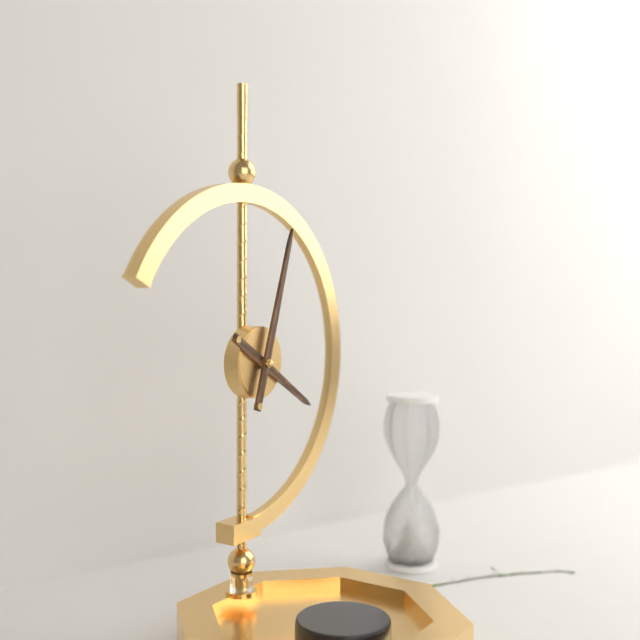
h=4 m=3
